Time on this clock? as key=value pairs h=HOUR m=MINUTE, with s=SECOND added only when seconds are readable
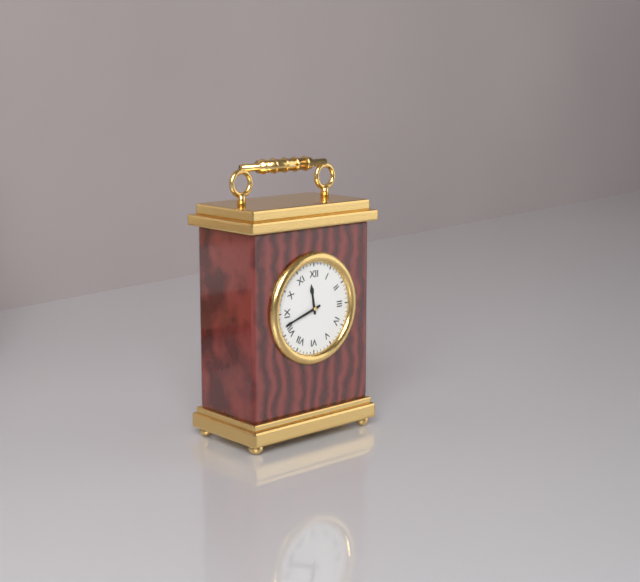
h=11 m=42
